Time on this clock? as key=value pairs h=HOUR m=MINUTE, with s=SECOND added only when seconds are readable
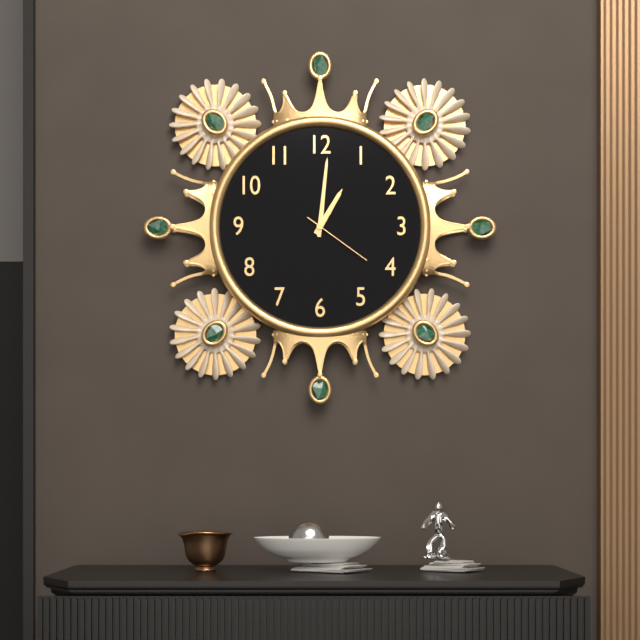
h=1 m=1 s=21
